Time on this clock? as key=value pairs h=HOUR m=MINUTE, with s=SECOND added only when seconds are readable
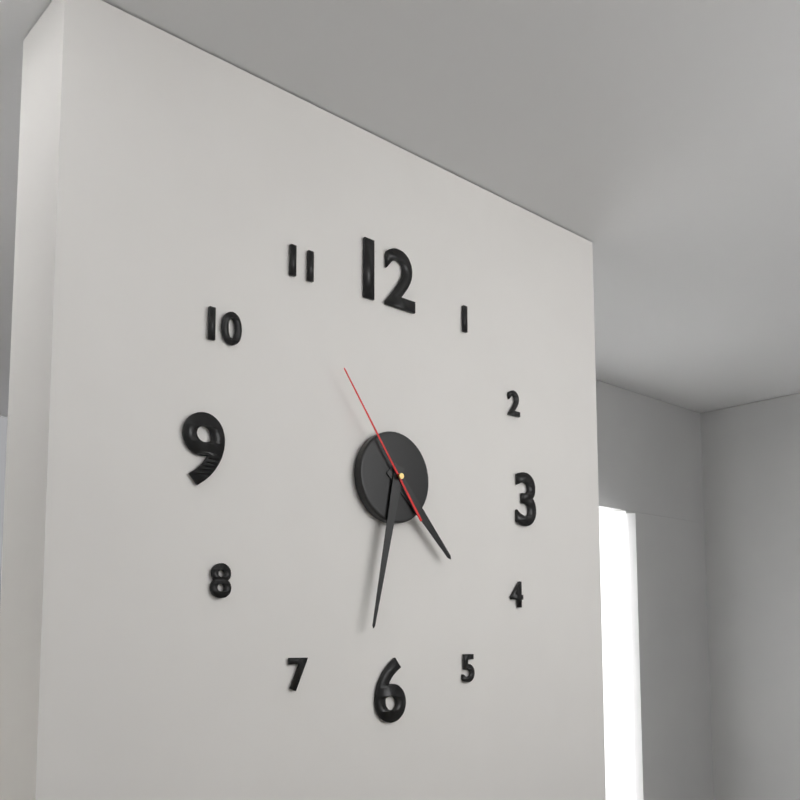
h=4 m=32 s=54
